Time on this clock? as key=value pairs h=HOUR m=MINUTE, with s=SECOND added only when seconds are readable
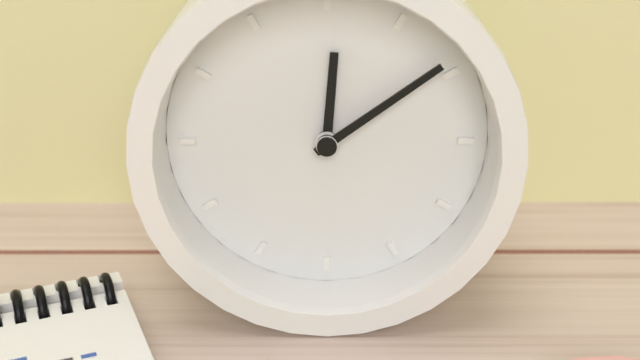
h=12 m=9
